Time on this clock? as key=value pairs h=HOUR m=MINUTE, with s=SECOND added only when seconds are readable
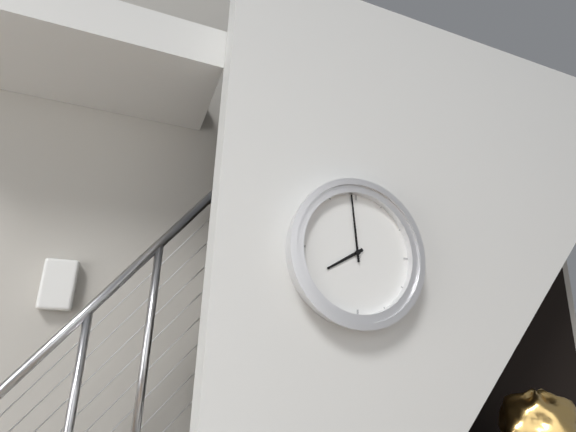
h=7 m=59
